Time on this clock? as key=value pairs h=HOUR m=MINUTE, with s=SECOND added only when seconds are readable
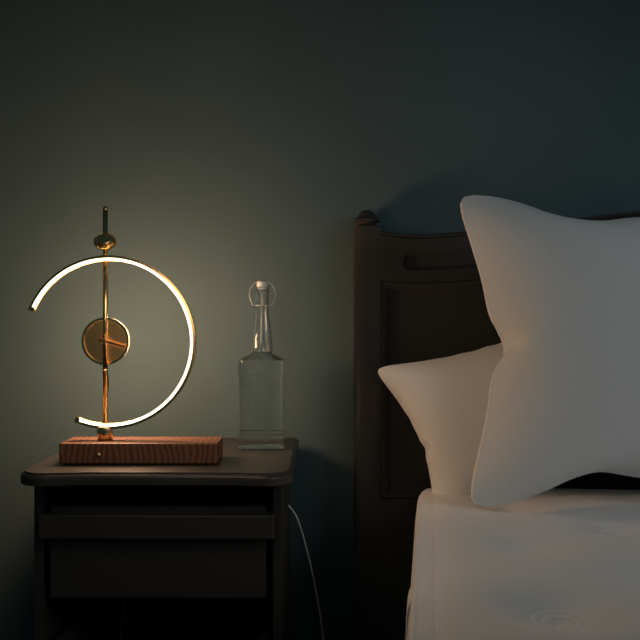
h=3 m=29
